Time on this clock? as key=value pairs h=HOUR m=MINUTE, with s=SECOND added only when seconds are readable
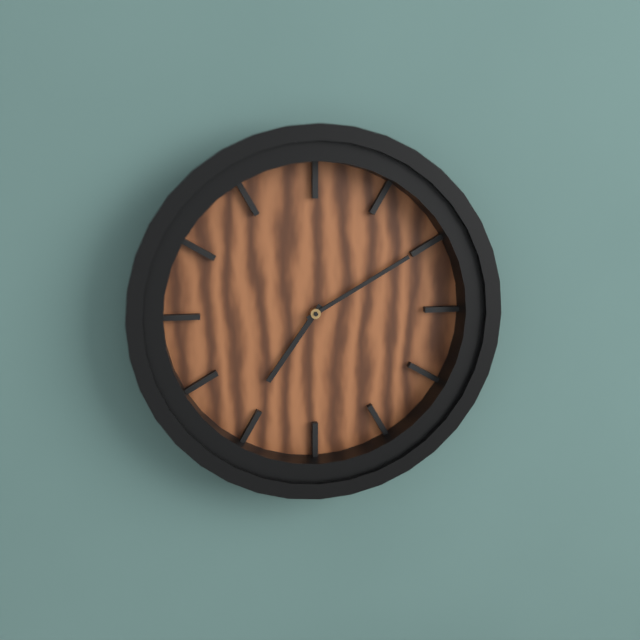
h=7 m=10
